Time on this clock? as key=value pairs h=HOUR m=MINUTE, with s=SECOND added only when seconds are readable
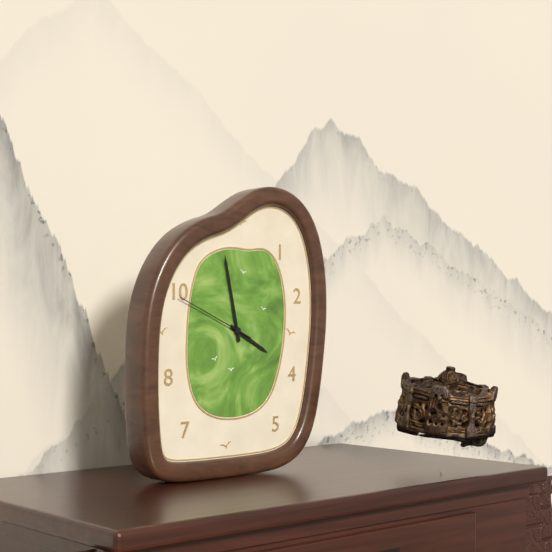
h=3 m=58 s=49
